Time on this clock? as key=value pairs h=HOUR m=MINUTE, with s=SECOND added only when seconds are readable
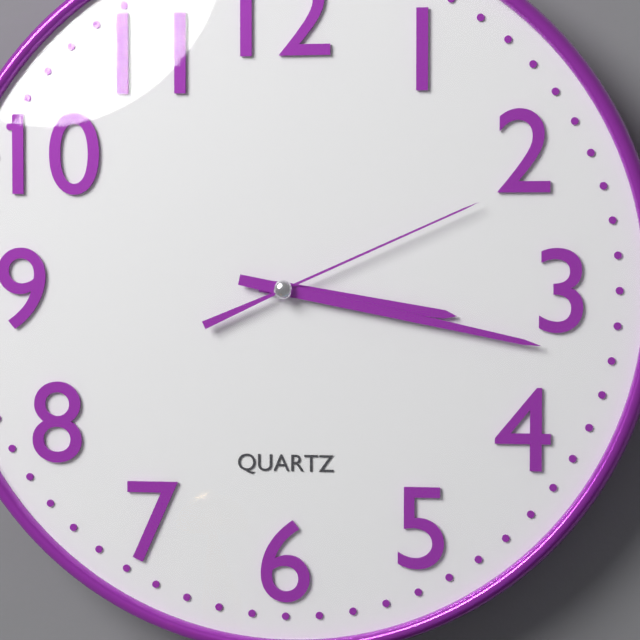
h=3 m=17 s=11
